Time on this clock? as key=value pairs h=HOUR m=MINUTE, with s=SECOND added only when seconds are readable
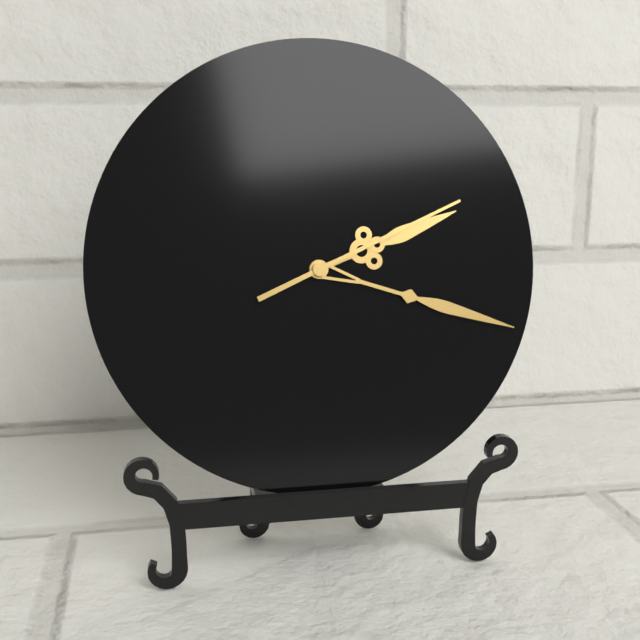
h=2 m=18 s=11
